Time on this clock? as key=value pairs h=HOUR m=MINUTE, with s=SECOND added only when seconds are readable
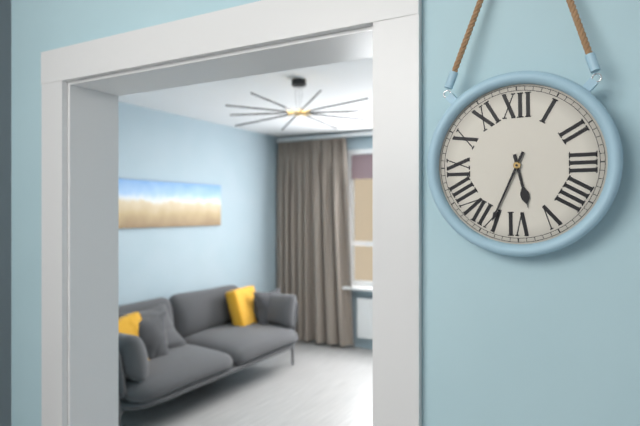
h=5 m=34
